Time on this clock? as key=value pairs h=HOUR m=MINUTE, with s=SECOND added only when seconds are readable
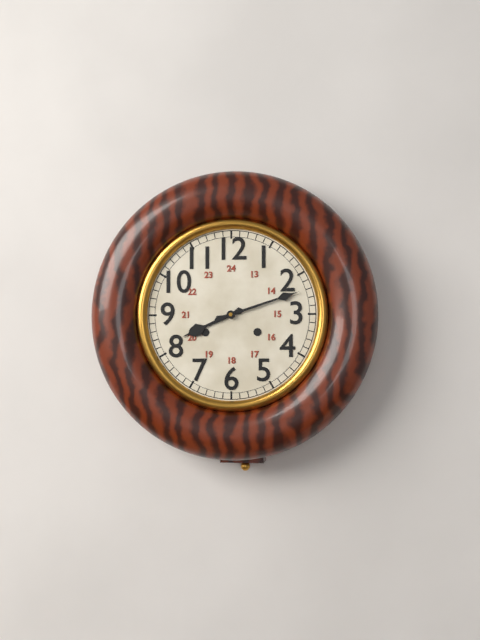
h=8 m=12
